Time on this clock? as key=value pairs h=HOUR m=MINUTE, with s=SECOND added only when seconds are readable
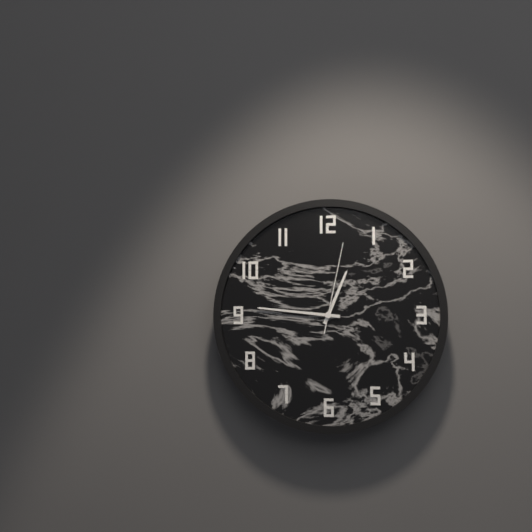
h=12 m=46 s=2
